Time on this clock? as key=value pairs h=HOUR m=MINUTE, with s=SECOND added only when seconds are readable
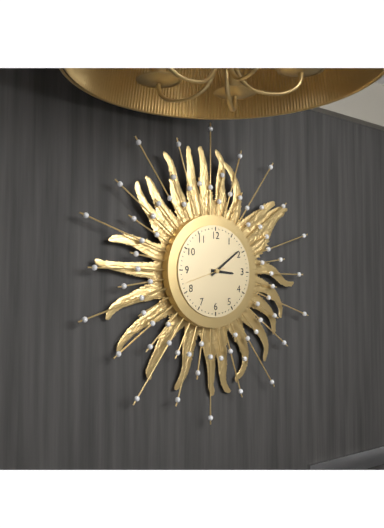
h=3 m=9
